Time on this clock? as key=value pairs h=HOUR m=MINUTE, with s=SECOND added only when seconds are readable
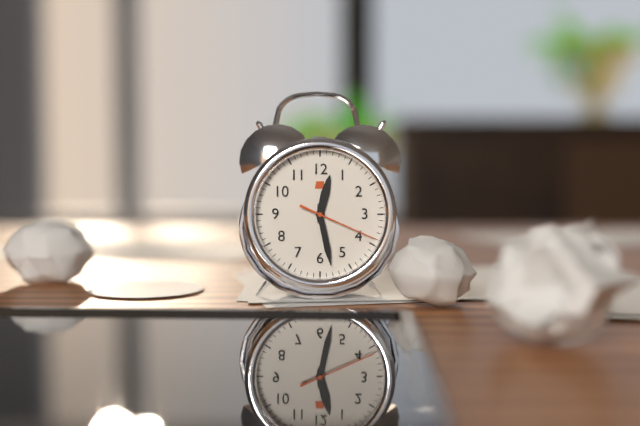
h=12 m=28 s=19
